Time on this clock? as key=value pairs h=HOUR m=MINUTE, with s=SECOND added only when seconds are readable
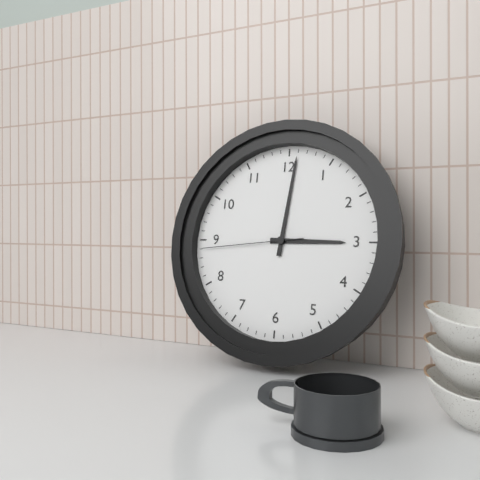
h=3 m=1 s=44
